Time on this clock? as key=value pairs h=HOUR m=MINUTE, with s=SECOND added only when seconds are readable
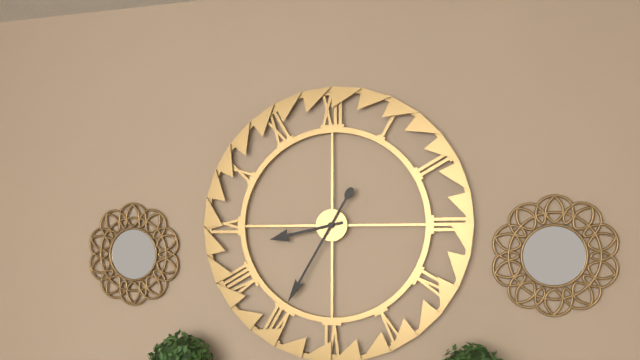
h=8 m=35
